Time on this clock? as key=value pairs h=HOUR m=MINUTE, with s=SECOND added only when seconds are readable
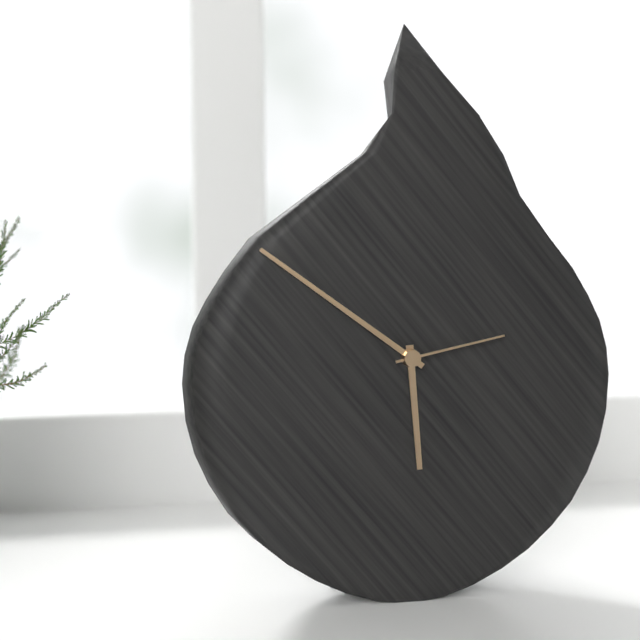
h=5 m=51 s=13
